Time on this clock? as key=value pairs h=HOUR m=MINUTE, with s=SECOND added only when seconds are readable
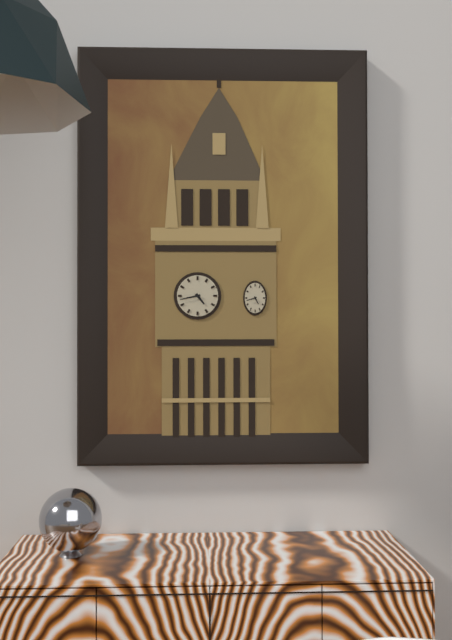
h=4 m=43
